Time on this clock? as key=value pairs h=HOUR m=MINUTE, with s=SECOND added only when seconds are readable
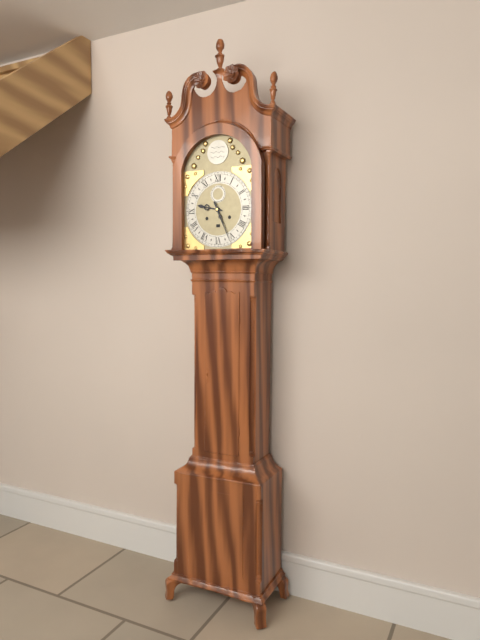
h=9 m=26
